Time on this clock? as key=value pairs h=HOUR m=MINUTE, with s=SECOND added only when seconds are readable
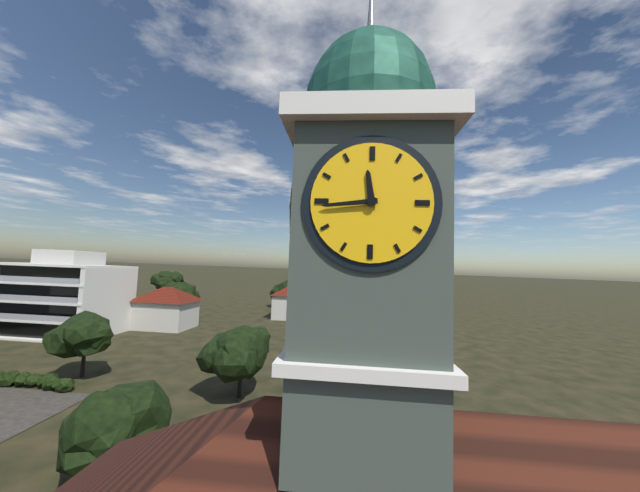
h=11 m=44
